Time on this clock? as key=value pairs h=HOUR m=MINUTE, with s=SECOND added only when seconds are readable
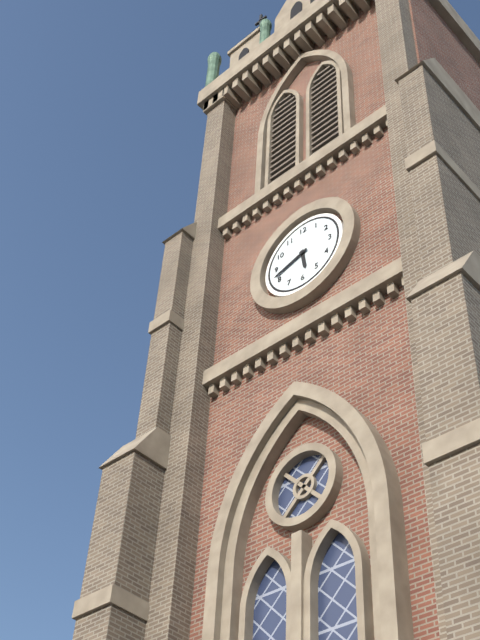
h=5 m=42
